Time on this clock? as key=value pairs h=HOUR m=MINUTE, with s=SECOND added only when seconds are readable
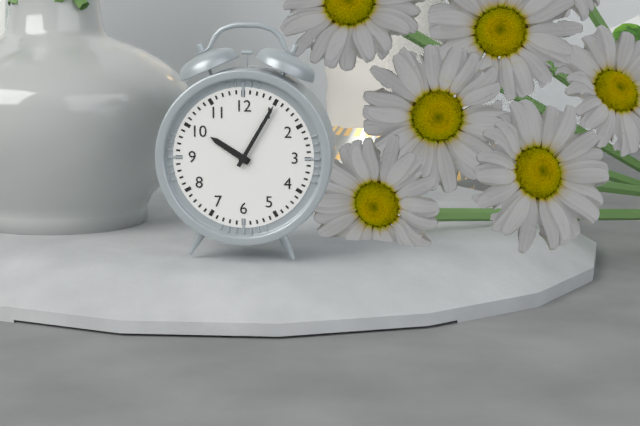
h=10 m=5
